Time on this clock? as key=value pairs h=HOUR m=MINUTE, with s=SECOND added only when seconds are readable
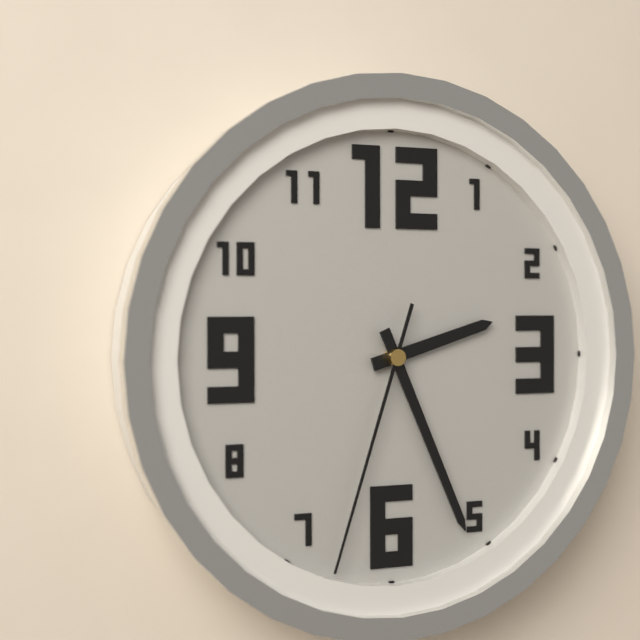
h=2 m=26 s=33
